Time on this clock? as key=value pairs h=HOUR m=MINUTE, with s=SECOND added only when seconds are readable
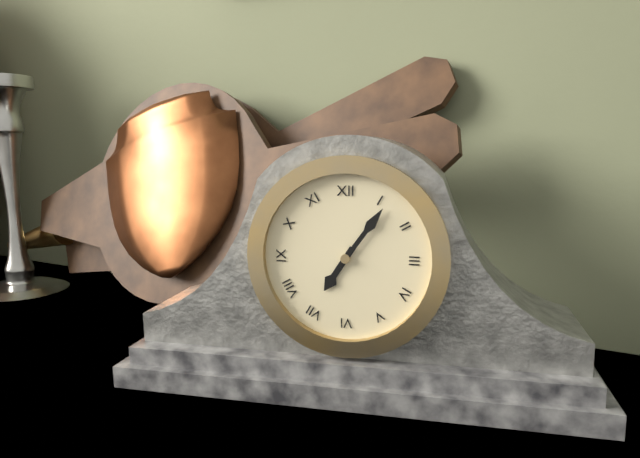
h=7 m=6
